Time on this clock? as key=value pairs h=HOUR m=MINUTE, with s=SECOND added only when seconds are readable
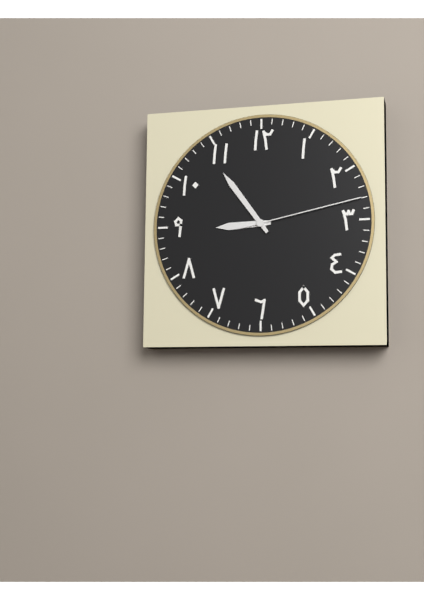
h=8 m=54 s=13
